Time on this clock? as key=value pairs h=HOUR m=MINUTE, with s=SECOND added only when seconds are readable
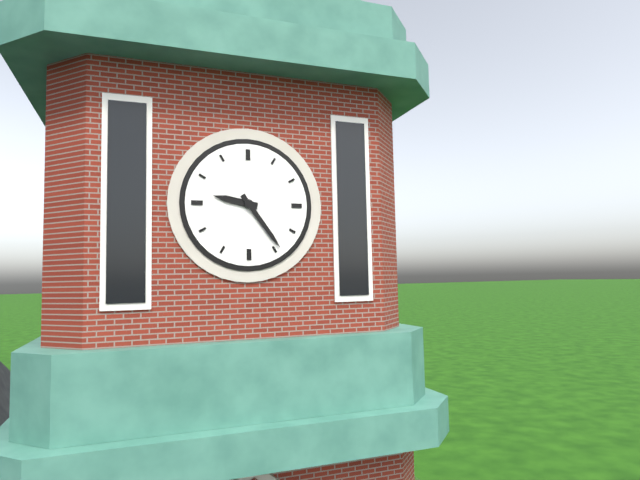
h=9 m=24
